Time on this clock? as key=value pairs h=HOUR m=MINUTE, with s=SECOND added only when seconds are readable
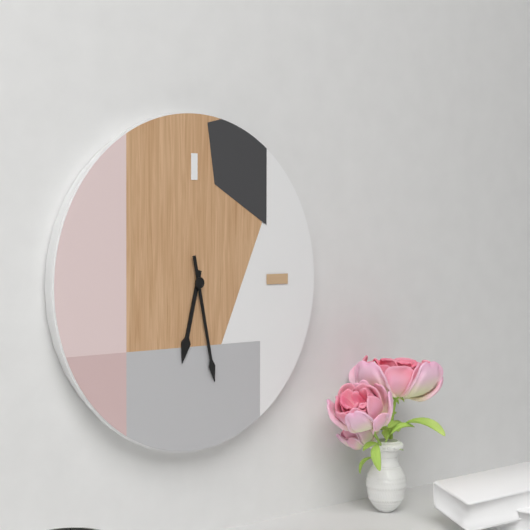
h=6 m=28
